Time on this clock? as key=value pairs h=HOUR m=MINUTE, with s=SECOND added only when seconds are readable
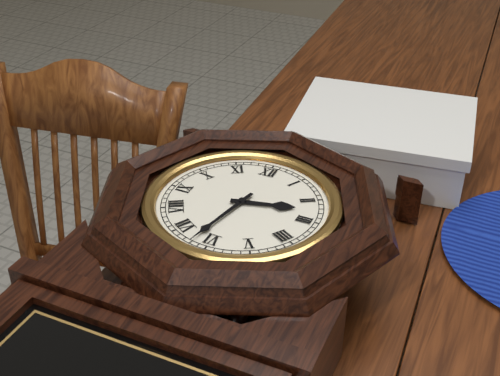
h=2 m=32
